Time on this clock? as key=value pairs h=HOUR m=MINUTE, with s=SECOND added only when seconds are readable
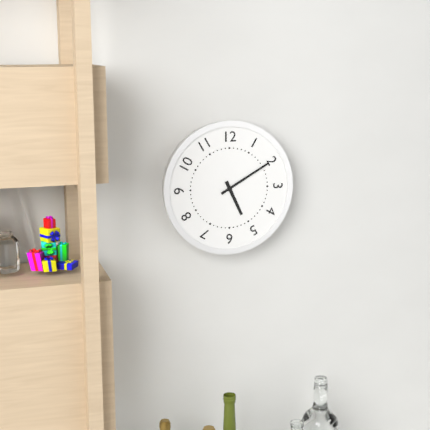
h=5 m=10
